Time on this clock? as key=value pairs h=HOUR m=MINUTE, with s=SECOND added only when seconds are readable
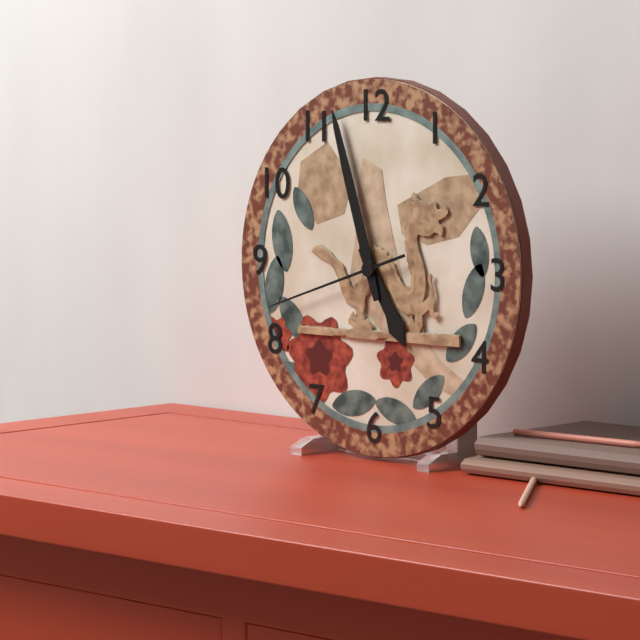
h=4 m=57 s=42
